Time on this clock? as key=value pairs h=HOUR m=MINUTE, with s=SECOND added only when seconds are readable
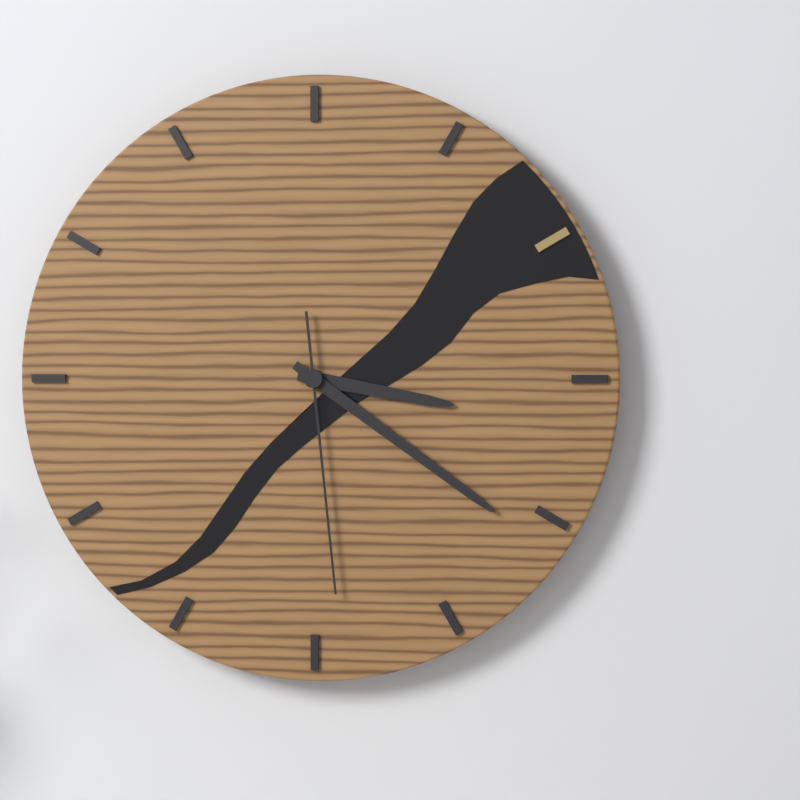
h=3 m=21 s=29
